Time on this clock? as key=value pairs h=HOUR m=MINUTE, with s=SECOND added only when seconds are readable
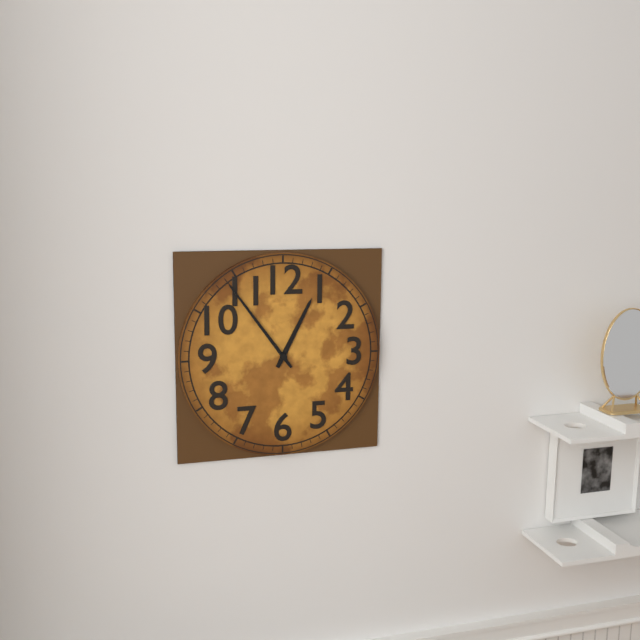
h=12 m=54
